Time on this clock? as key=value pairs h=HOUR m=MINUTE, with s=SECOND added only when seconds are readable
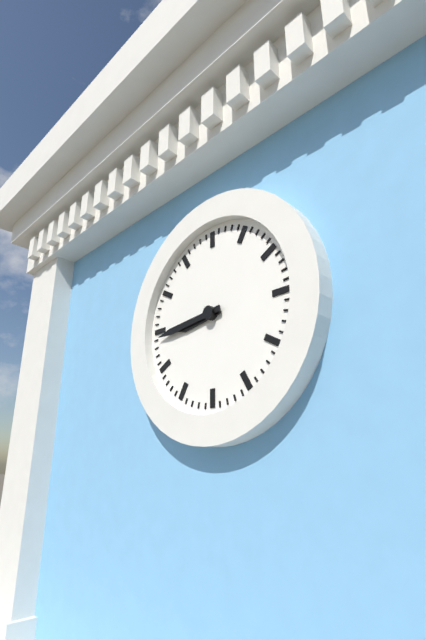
h=8 m=44
